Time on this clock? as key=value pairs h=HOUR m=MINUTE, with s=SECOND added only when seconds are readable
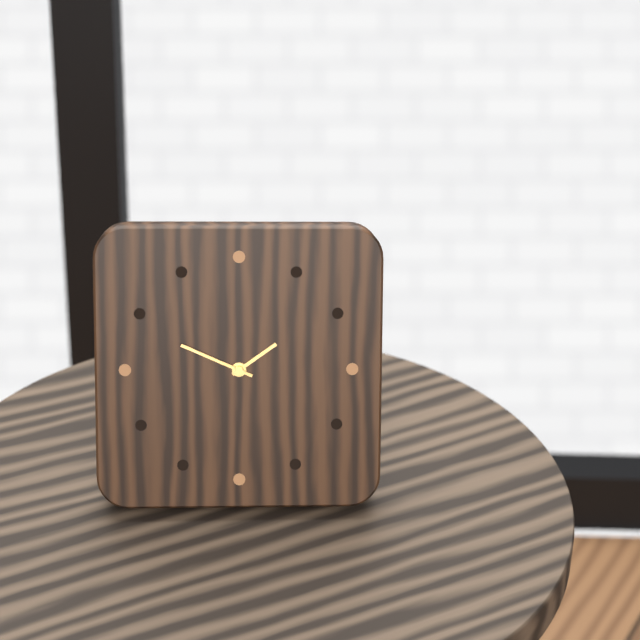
h=1 m=49
